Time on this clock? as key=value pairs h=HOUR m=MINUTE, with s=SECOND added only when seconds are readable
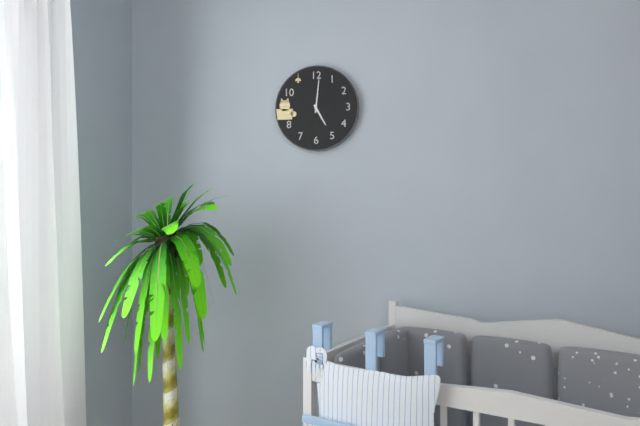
h=5 m=1
